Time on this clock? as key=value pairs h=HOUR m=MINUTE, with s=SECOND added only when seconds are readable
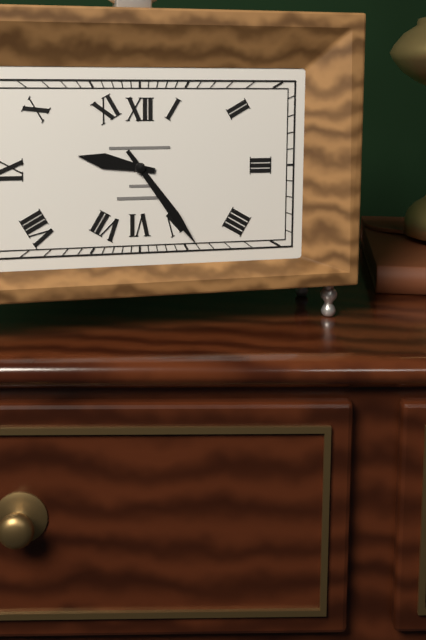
h=9 m=24
